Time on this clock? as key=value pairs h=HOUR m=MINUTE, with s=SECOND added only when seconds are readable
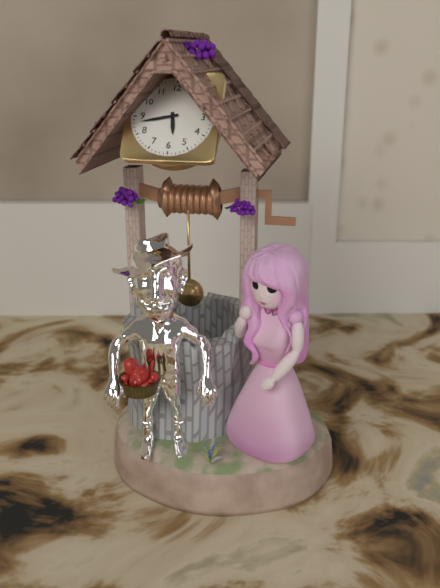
h=5 m=43
